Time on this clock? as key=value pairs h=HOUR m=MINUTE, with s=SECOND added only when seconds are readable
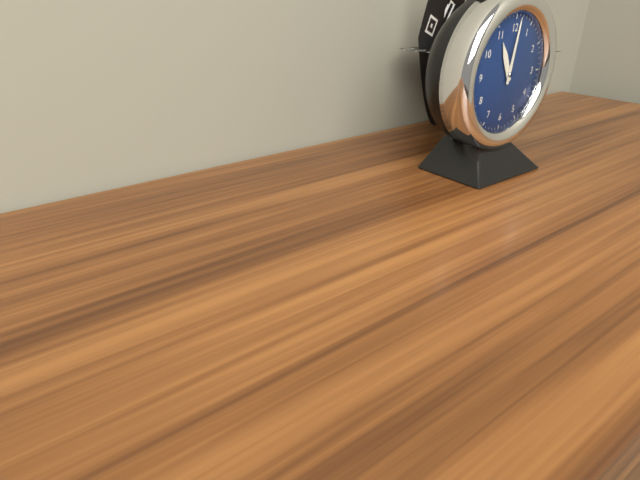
h=11 m=1
